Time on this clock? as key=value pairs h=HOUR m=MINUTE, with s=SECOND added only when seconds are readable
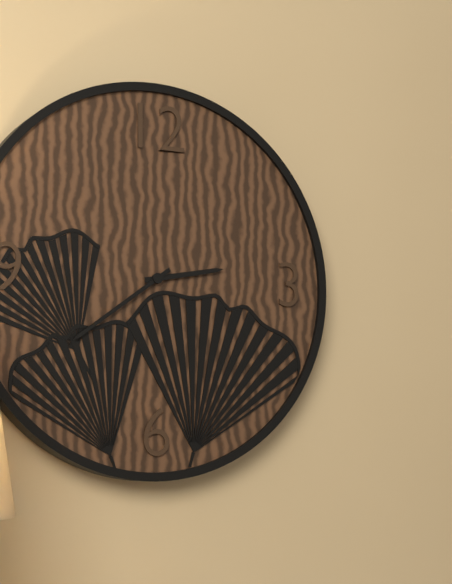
h=2 m=39
